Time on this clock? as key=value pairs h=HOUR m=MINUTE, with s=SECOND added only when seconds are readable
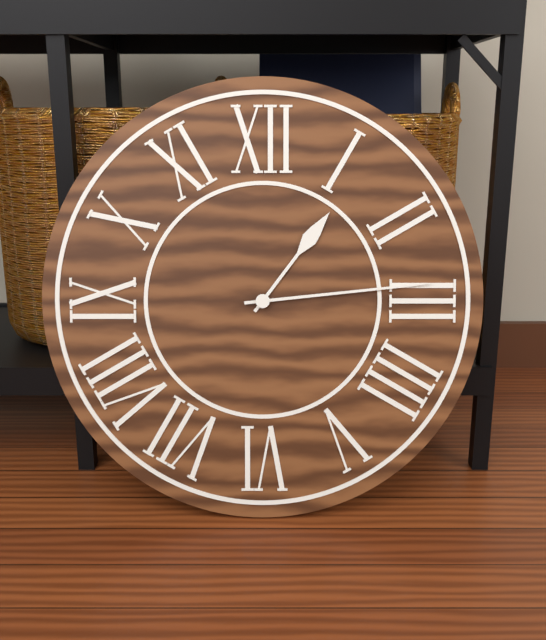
h=1 m=14
